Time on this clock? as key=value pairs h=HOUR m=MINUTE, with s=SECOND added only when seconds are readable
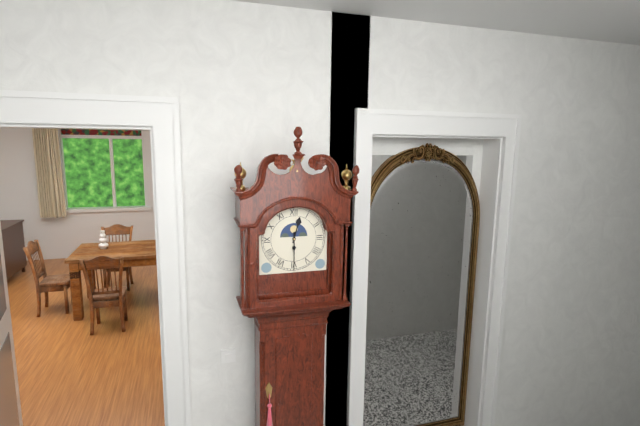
h=12 m=30
